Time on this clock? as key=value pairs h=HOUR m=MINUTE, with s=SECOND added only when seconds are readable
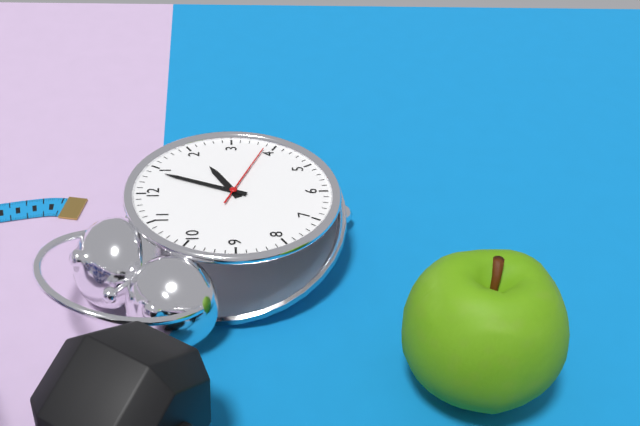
h=2 m=4 s=19
